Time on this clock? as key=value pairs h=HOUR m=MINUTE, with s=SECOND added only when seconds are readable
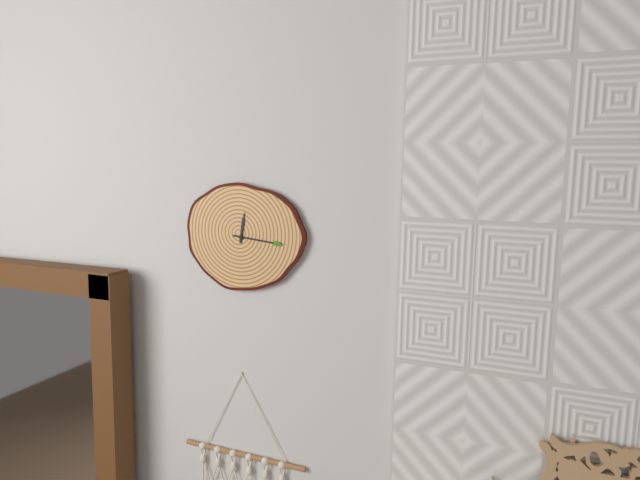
h=12 m=16
